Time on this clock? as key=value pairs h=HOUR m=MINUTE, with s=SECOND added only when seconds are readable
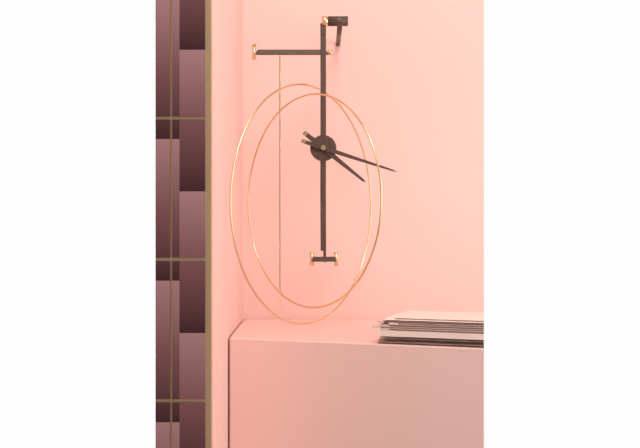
h=4 m=18
